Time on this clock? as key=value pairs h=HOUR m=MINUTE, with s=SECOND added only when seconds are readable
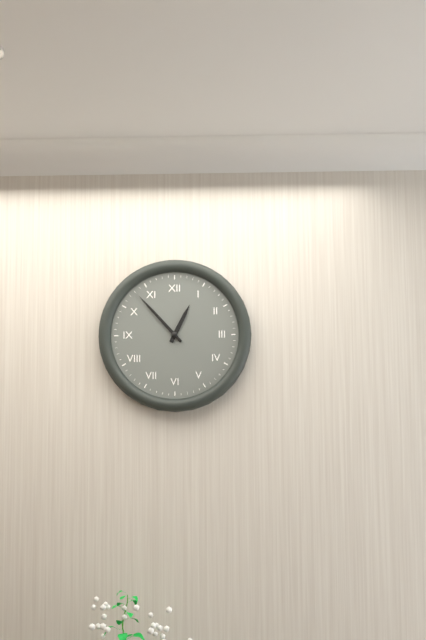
h=12 m=53
